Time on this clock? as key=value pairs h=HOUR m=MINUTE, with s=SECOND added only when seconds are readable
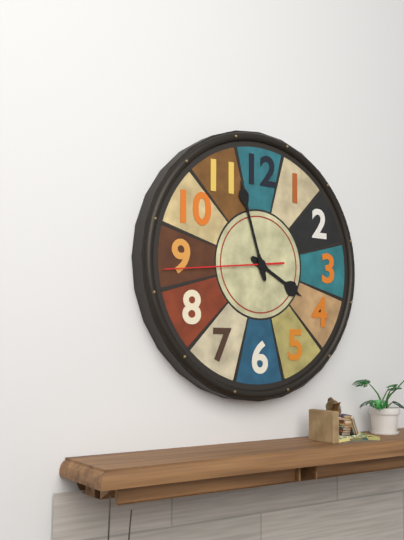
h=3 m=57 s=44
